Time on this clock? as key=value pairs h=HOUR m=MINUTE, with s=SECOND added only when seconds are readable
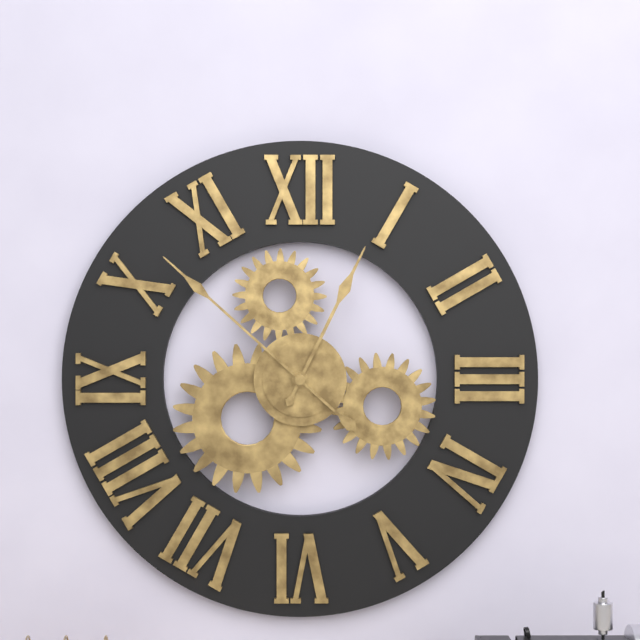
h=12 m=52
